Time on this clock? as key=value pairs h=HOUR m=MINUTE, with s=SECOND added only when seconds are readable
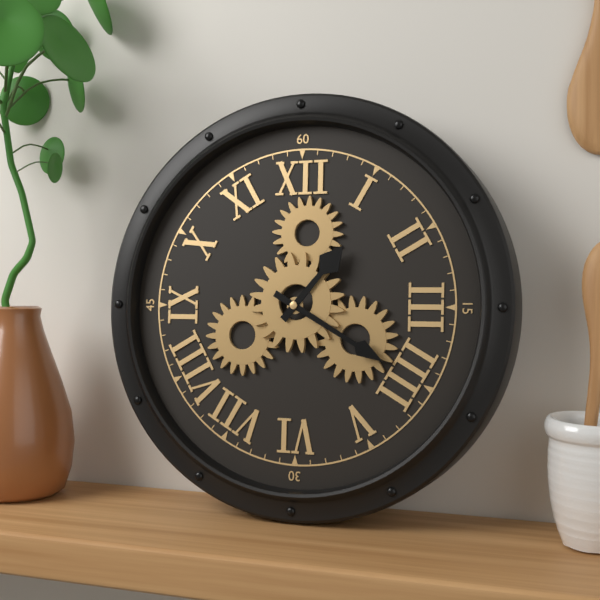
h=1 m=20
